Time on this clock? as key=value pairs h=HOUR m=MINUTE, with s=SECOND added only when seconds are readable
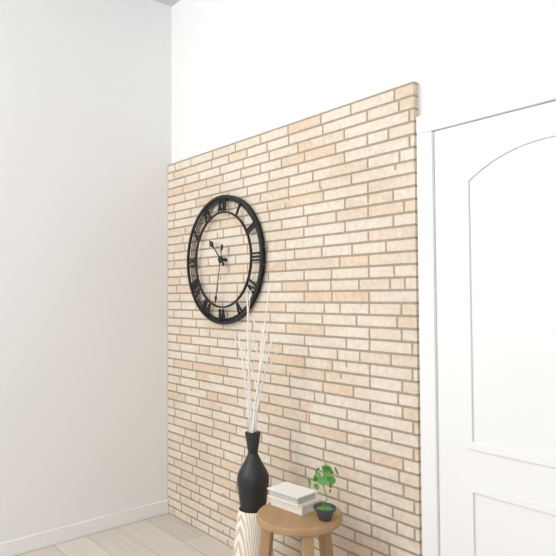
h=10 m=32
